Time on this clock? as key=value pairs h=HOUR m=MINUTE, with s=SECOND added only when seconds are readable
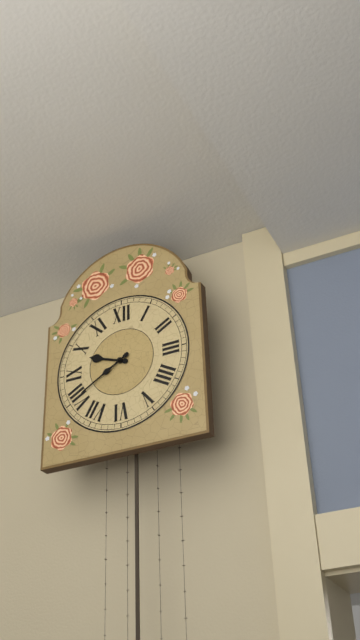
h=9 m=40
